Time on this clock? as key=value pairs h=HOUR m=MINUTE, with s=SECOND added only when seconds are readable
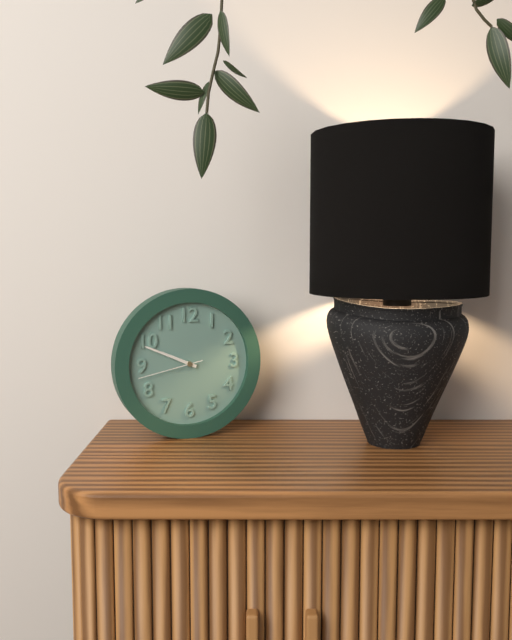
h=9 m=49 s=43
